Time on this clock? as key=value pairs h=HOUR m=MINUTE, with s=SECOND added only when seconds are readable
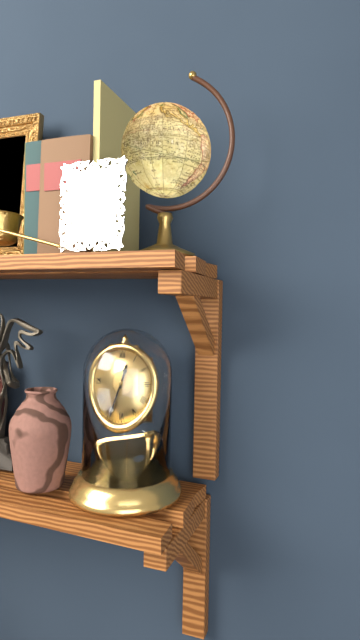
h=12 m=34
